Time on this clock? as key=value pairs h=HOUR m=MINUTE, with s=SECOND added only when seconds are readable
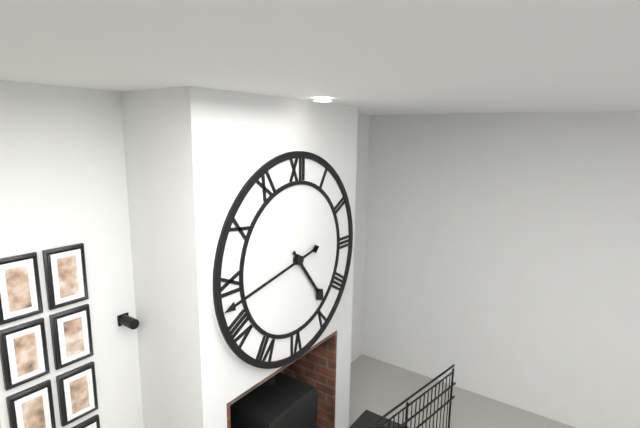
h=4 m=43
